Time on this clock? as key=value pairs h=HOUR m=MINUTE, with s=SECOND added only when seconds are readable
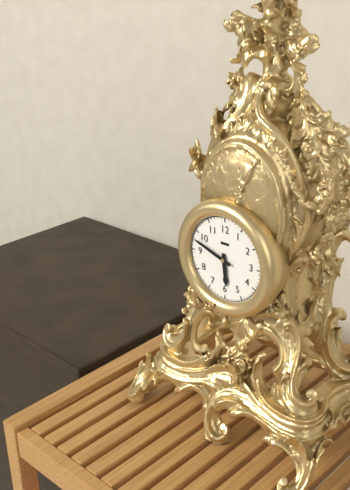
h=5 m=48
